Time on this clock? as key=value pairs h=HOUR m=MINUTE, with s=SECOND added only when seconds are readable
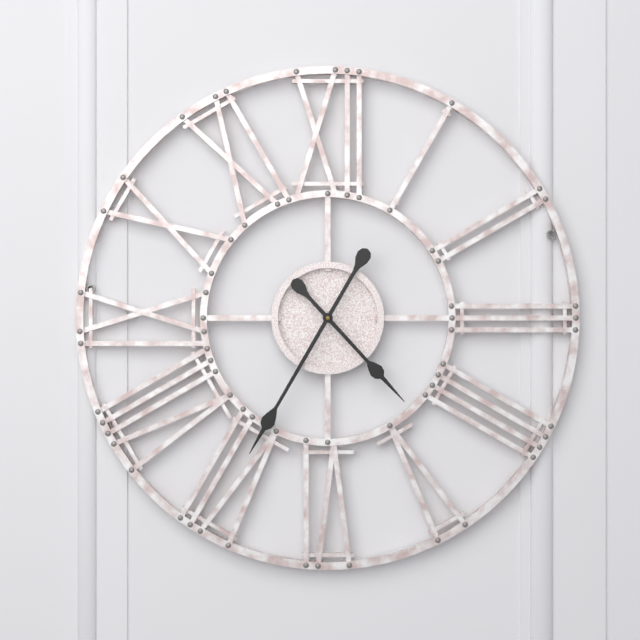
h=4 m=35
